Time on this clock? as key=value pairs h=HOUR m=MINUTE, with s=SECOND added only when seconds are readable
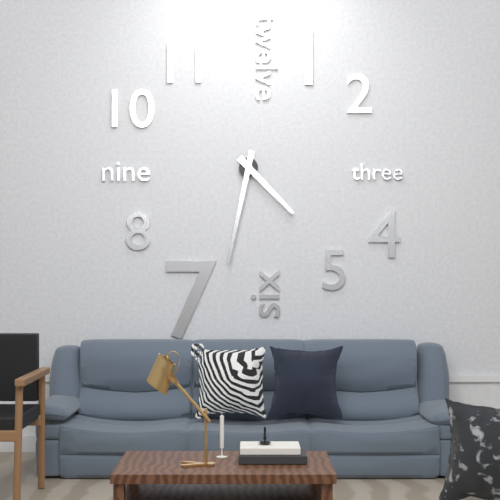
h=4 m=32
